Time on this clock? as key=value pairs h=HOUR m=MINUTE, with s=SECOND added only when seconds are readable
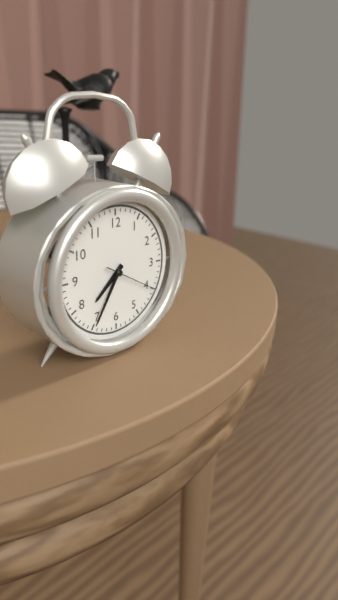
h=7 m=35 s=20
